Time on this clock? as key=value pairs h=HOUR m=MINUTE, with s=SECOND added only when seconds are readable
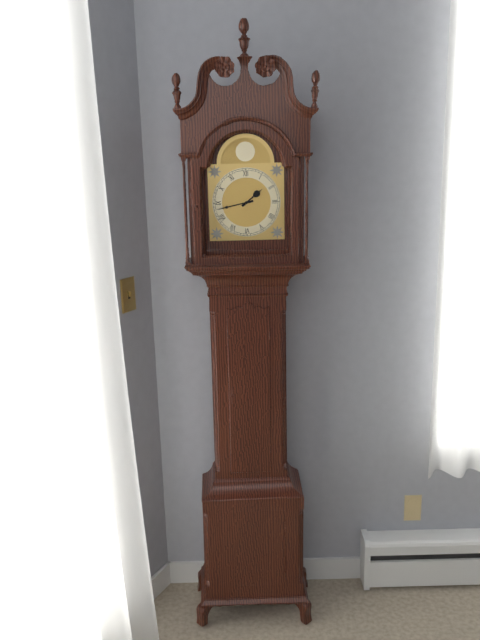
h=1 m=43
